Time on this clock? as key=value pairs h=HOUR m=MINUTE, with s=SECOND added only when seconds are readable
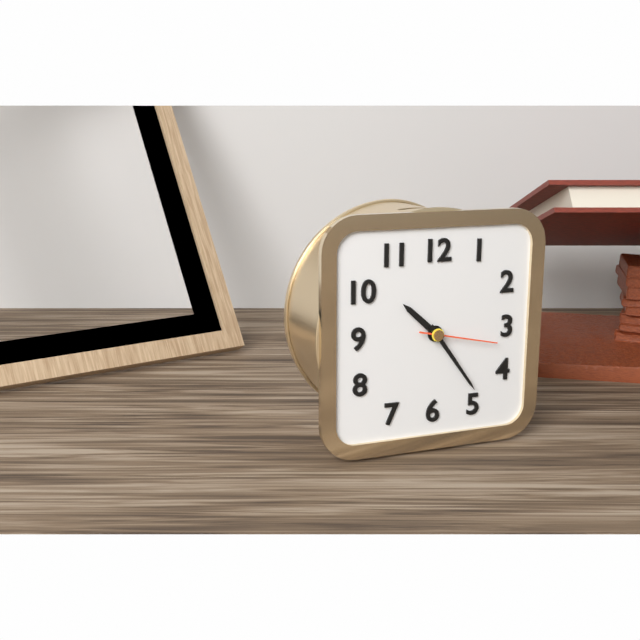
h=10 m=24 s=17
